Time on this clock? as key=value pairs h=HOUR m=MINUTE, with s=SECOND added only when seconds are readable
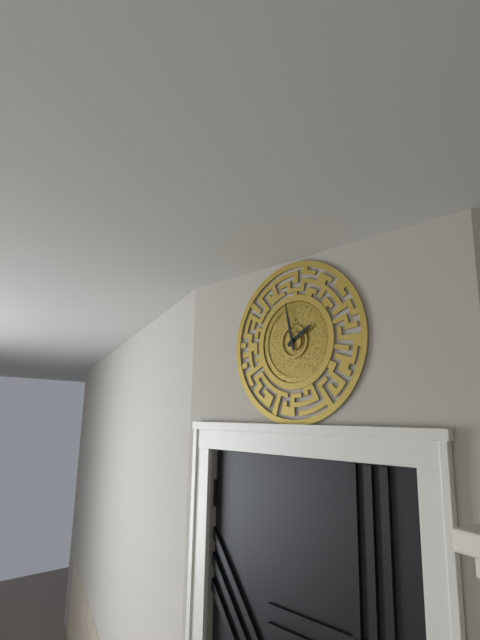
h=1 m=58
